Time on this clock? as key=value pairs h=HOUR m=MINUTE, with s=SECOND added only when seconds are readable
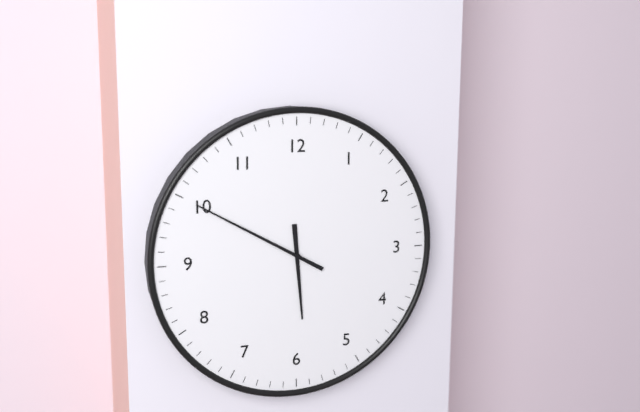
h=5 m=50
